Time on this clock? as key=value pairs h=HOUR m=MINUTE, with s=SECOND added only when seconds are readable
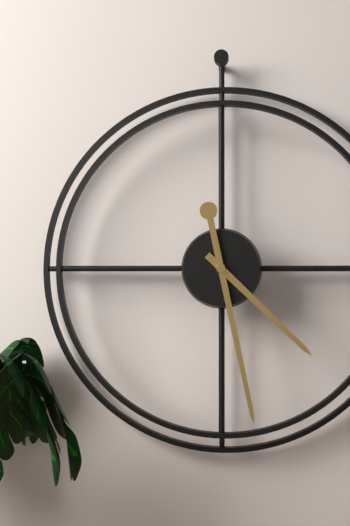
h=4 m=28
